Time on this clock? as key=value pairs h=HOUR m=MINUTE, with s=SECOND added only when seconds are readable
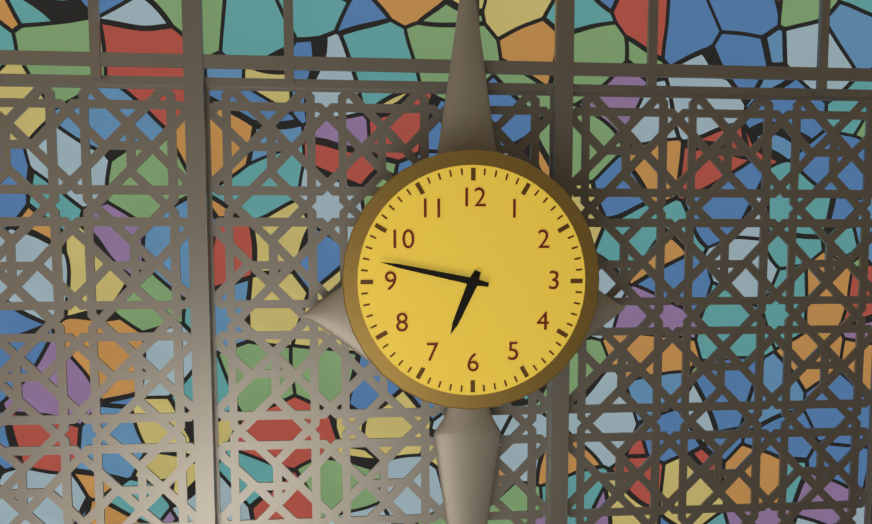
h=6 m=47
